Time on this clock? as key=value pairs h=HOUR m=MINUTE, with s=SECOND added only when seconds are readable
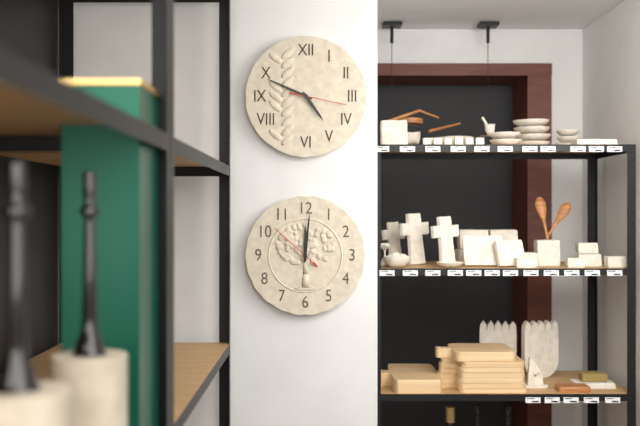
h=4 m=49 s=17
